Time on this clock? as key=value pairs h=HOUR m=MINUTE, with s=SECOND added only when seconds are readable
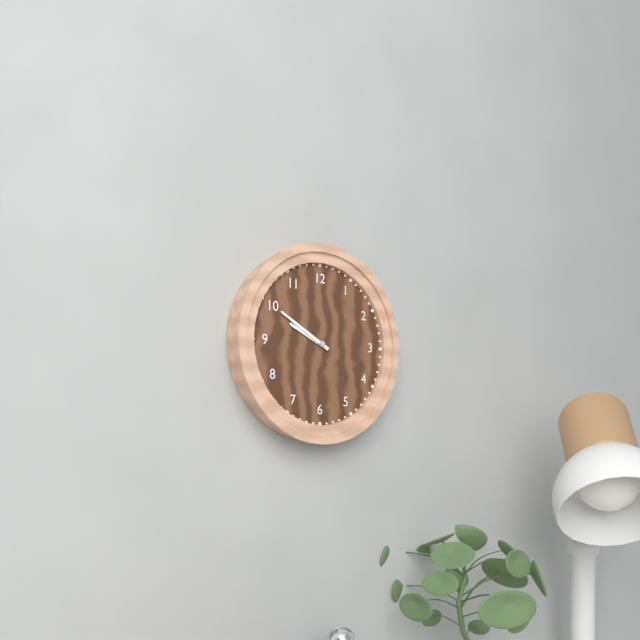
h=9 m=50
